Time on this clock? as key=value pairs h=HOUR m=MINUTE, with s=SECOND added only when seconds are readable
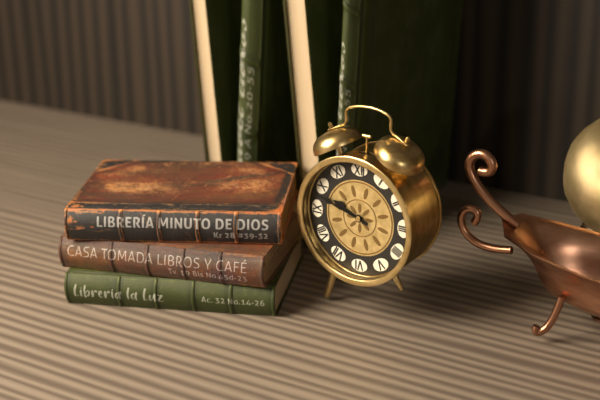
h=9 m=48
